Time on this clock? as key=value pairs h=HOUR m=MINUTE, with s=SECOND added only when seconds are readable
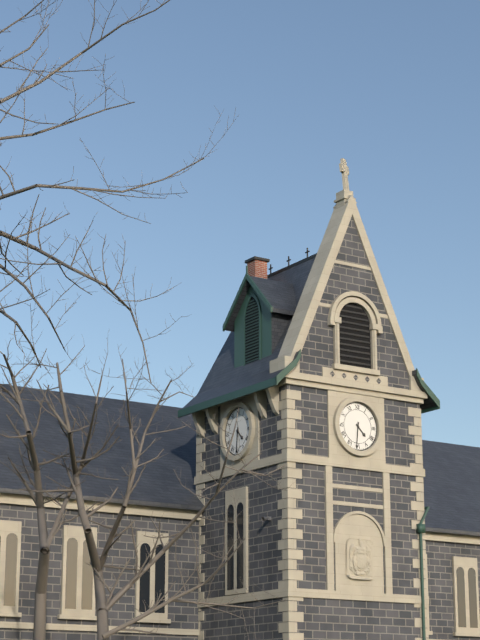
h=4 m=31
